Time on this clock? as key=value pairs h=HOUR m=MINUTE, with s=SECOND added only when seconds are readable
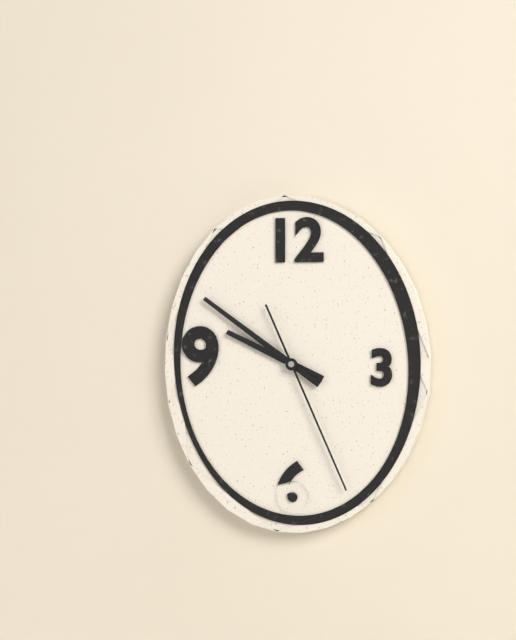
h=9 m=51 s=26
